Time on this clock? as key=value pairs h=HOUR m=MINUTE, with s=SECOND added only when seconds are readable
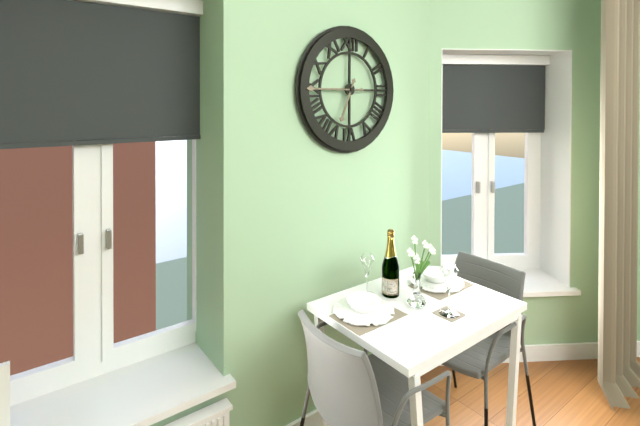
h=6 m=45
